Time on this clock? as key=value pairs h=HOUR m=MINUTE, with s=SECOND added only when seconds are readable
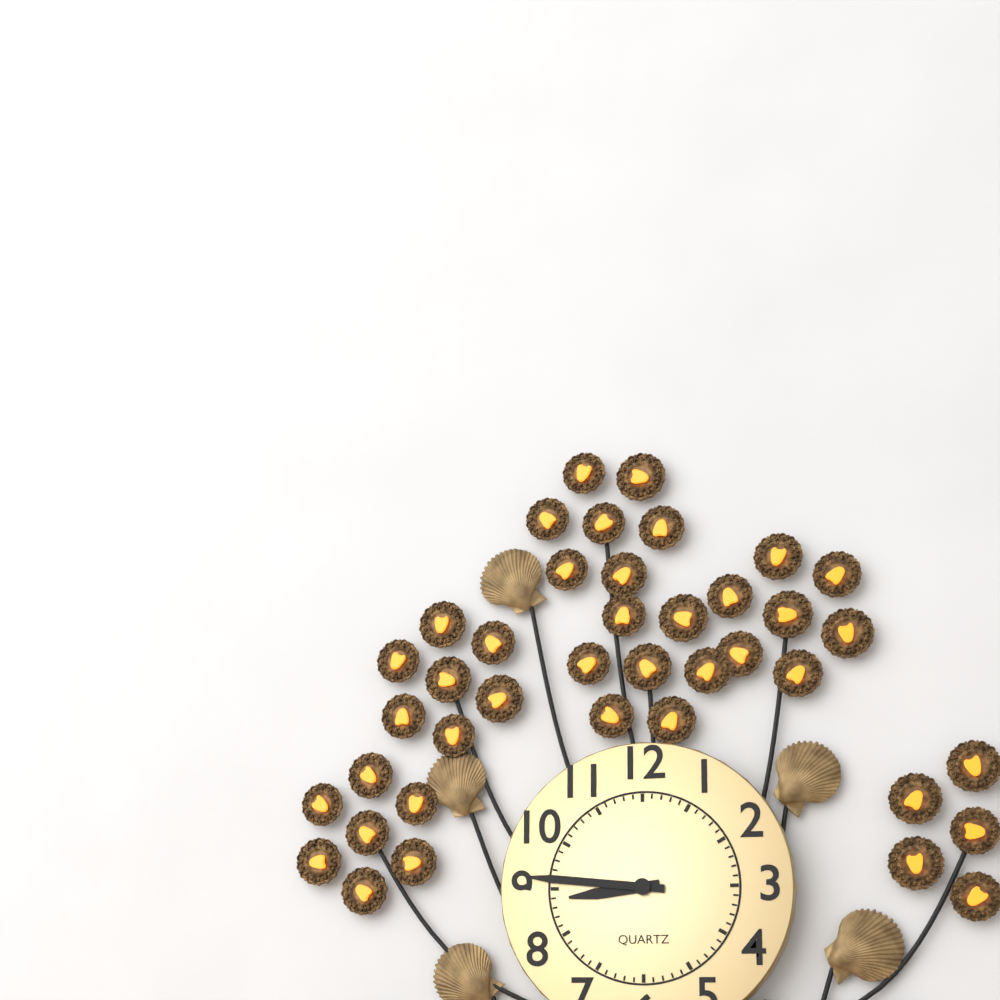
h=8 m=46
